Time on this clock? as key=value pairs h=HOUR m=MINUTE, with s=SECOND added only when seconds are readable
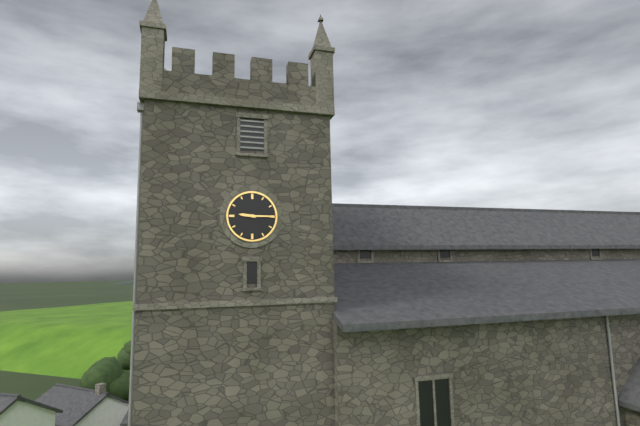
h=9 m=15
